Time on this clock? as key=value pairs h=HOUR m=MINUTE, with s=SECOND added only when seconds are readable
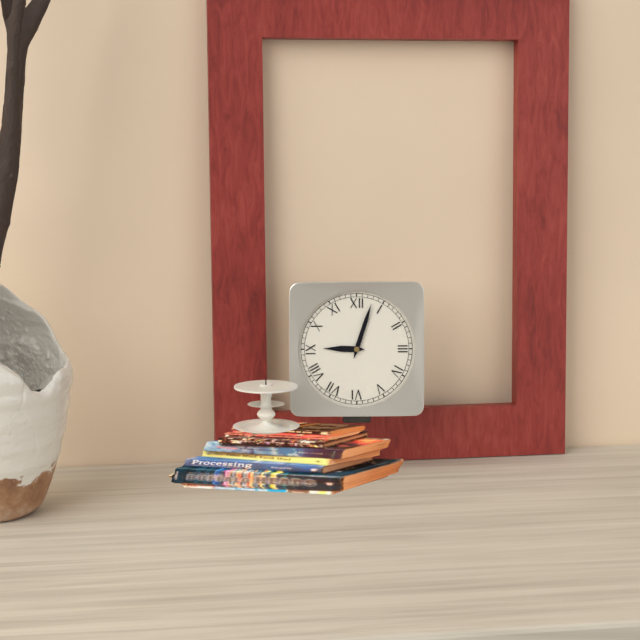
h=9 m=3
